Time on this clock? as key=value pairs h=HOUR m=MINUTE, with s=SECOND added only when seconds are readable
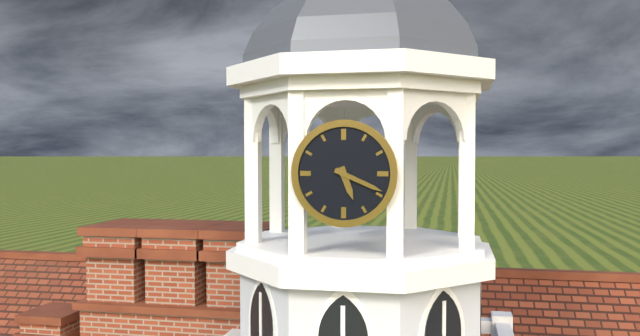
h=5 m=19
